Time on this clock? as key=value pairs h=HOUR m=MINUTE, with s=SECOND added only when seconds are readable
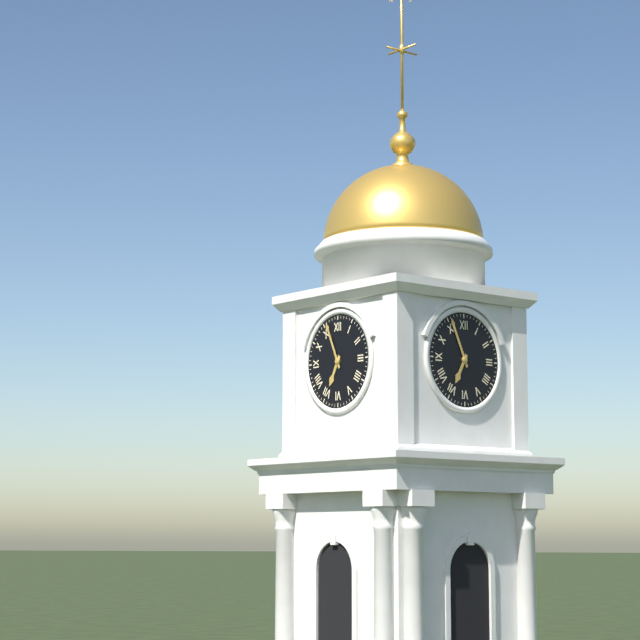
h=6 m=56
